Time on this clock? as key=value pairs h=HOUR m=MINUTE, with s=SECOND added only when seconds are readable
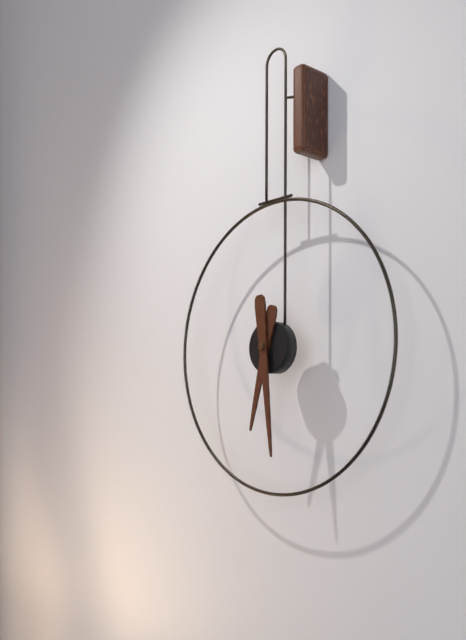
h=6 m=29
